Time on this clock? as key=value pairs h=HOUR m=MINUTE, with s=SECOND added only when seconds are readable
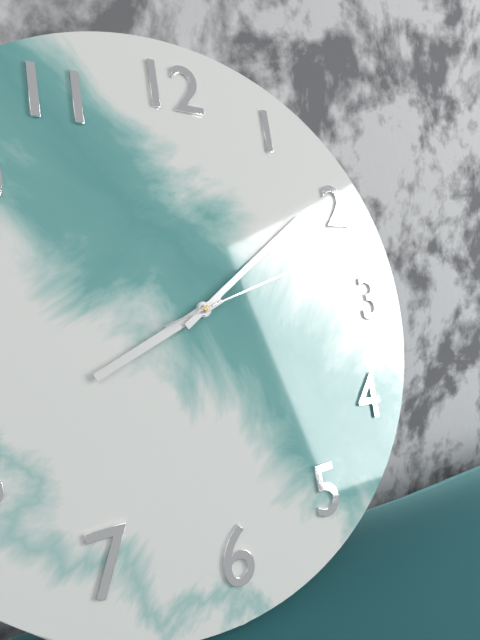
h=8 m=9 s=12
